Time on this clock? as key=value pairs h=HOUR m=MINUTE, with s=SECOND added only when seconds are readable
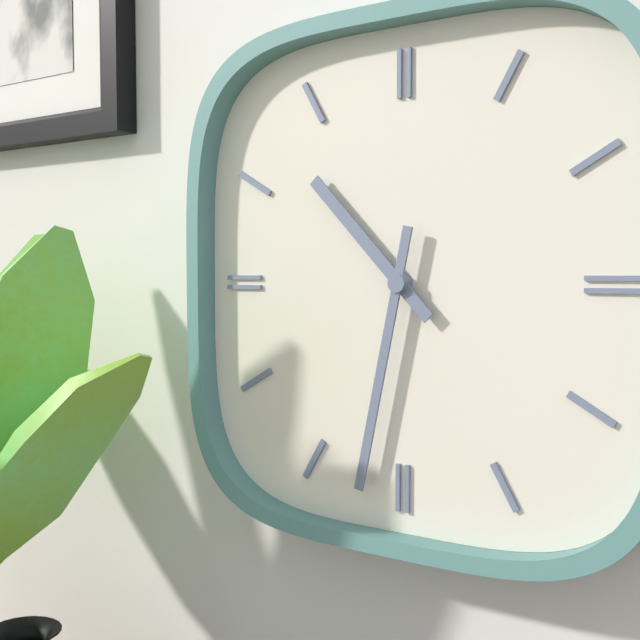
h=10 m=32
